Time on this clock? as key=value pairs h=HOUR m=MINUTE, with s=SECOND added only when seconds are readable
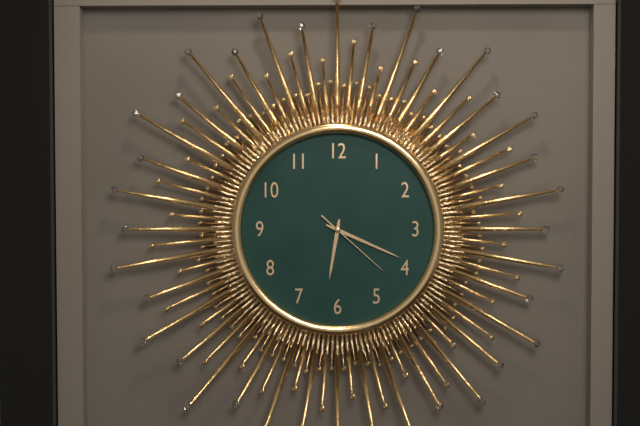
h=6 m=19 s=22
